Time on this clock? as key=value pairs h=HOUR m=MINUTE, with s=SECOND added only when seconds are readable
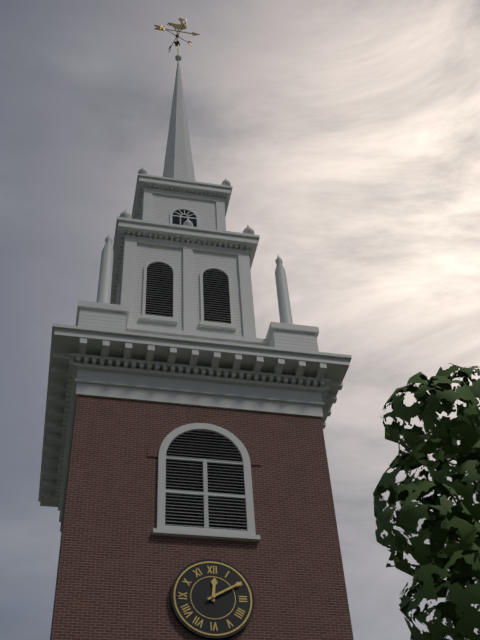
h=12 m=10
